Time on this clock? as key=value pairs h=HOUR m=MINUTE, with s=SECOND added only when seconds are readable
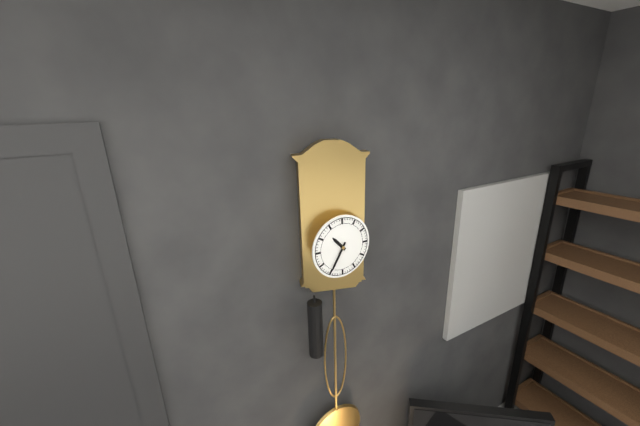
h=10 m=35
